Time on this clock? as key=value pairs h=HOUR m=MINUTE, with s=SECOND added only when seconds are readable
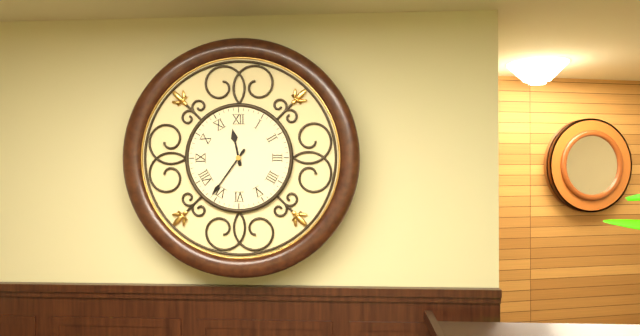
h=11 m=36
